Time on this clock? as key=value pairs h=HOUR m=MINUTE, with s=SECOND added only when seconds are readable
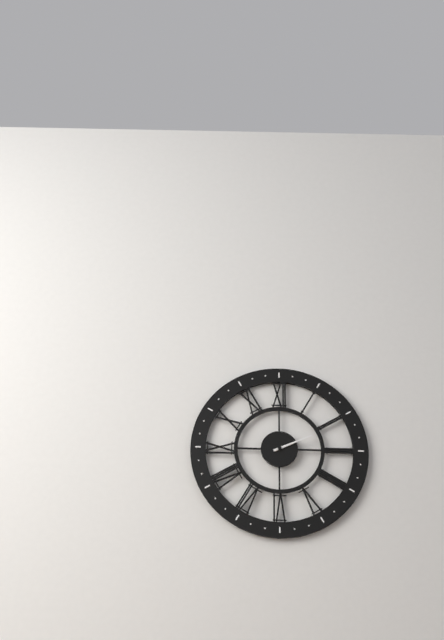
h=2 m=11
